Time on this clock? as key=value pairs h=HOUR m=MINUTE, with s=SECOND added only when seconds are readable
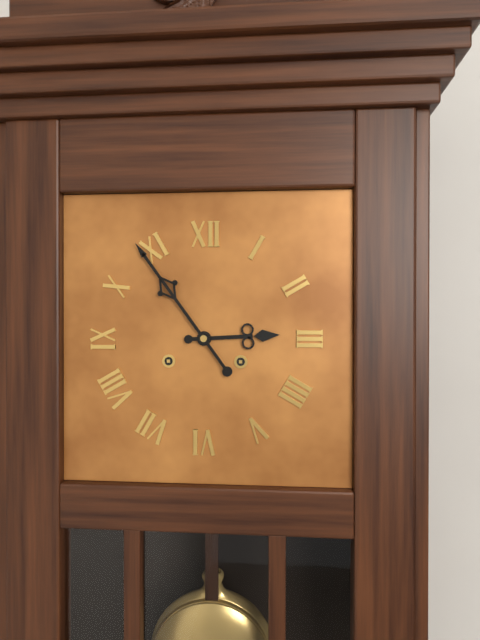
h=2 m=54
